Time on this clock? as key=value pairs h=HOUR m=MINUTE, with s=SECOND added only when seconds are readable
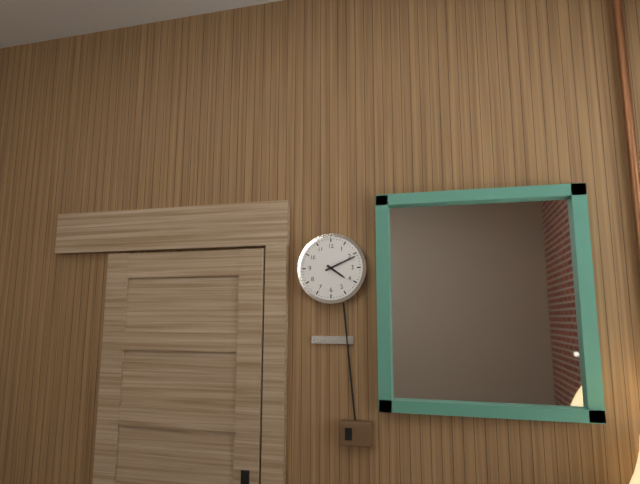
h=4 m=11
